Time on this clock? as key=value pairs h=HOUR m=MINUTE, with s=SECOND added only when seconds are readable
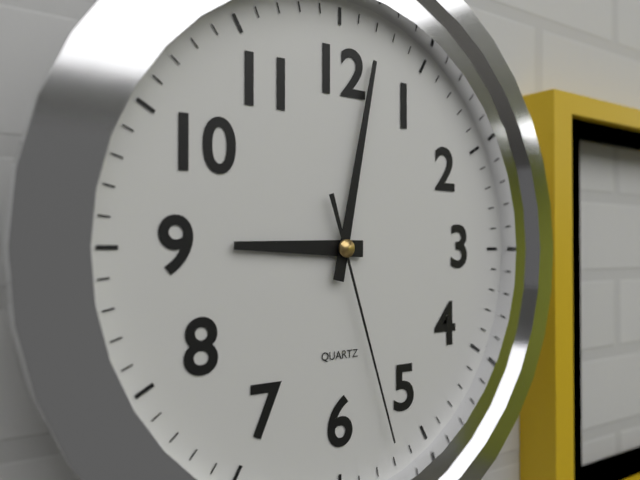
h=9 m=2 s=27
